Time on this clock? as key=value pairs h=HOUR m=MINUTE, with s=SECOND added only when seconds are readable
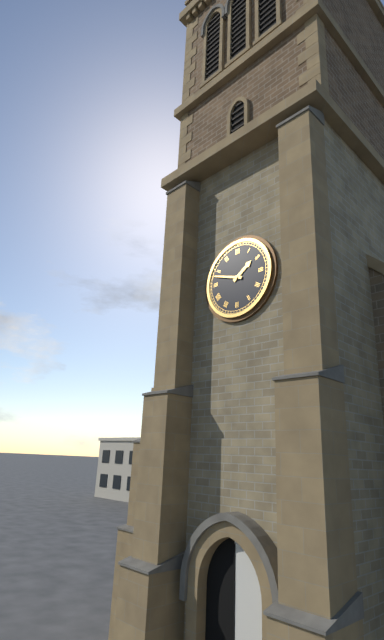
h=1 m=48
